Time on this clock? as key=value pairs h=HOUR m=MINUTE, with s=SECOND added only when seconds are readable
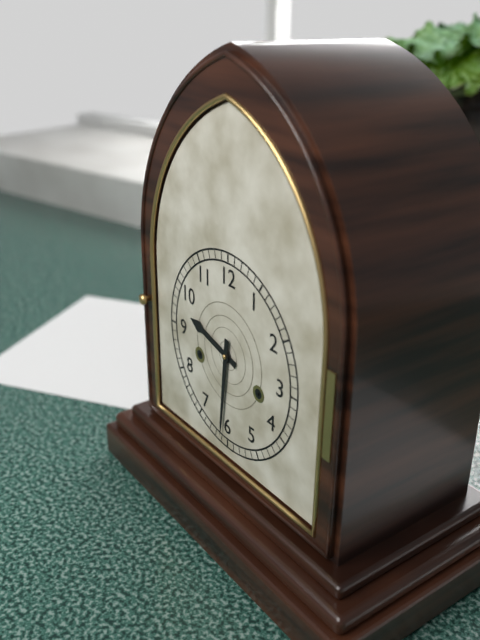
h=9 m=31
